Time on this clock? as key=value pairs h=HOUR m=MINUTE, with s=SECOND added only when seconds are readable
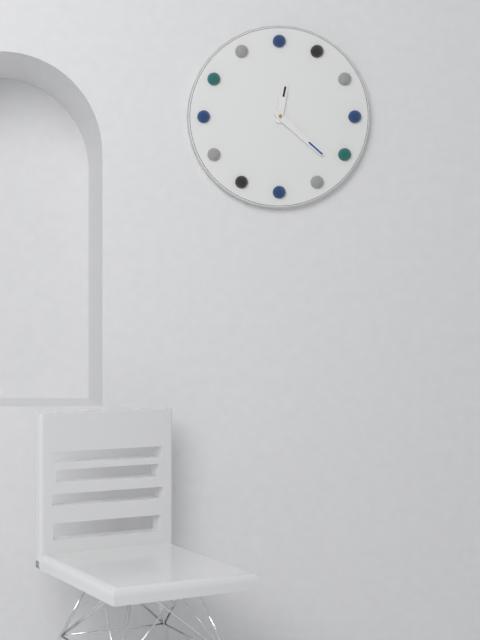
h=12 m=22
